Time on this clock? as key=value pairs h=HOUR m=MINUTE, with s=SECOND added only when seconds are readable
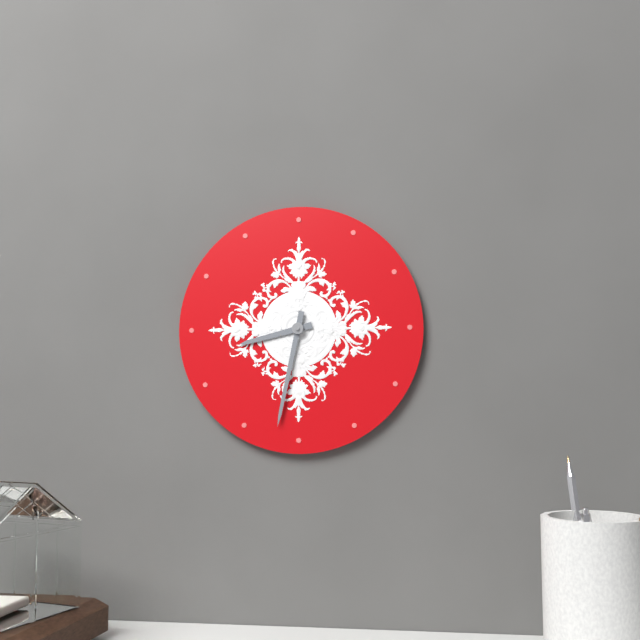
h=8 m=32
